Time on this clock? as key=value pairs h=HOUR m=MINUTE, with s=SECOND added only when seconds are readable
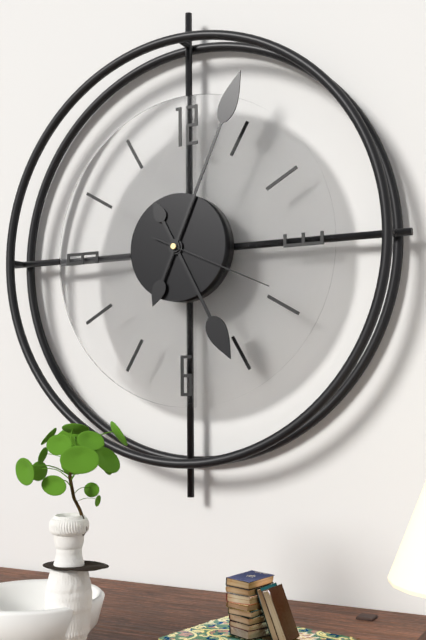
h=5 m=4 s=19
